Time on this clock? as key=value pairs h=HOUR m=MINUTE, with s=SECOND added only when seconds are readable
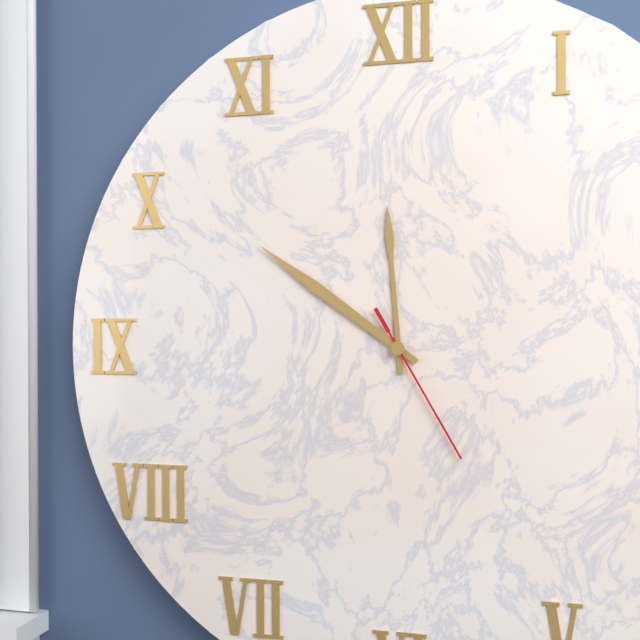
h=11 m=51 s=25
